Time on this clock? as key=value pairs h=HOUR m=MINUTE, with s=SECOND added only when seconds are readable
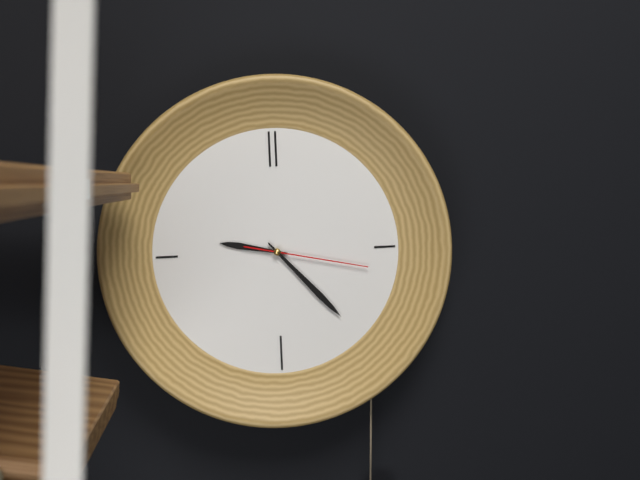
h=9 m=23 s=17
